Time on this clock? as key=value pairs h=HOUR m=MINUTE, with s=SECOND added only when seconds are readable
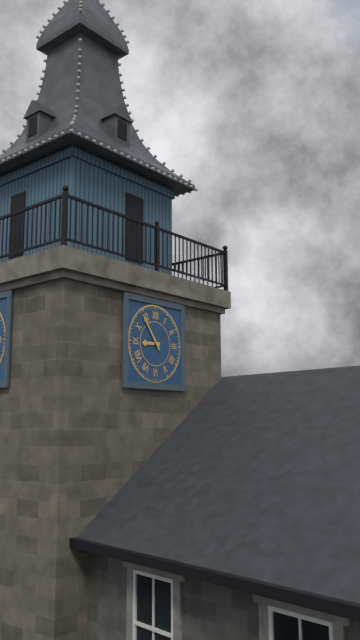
h=8 m=54
